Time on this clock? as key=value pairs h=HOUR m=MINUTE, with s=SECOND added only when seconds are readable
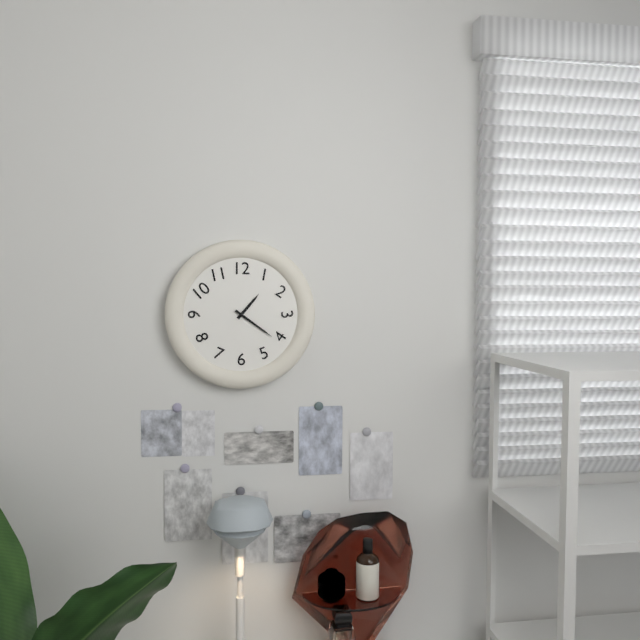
h=1 m=21
